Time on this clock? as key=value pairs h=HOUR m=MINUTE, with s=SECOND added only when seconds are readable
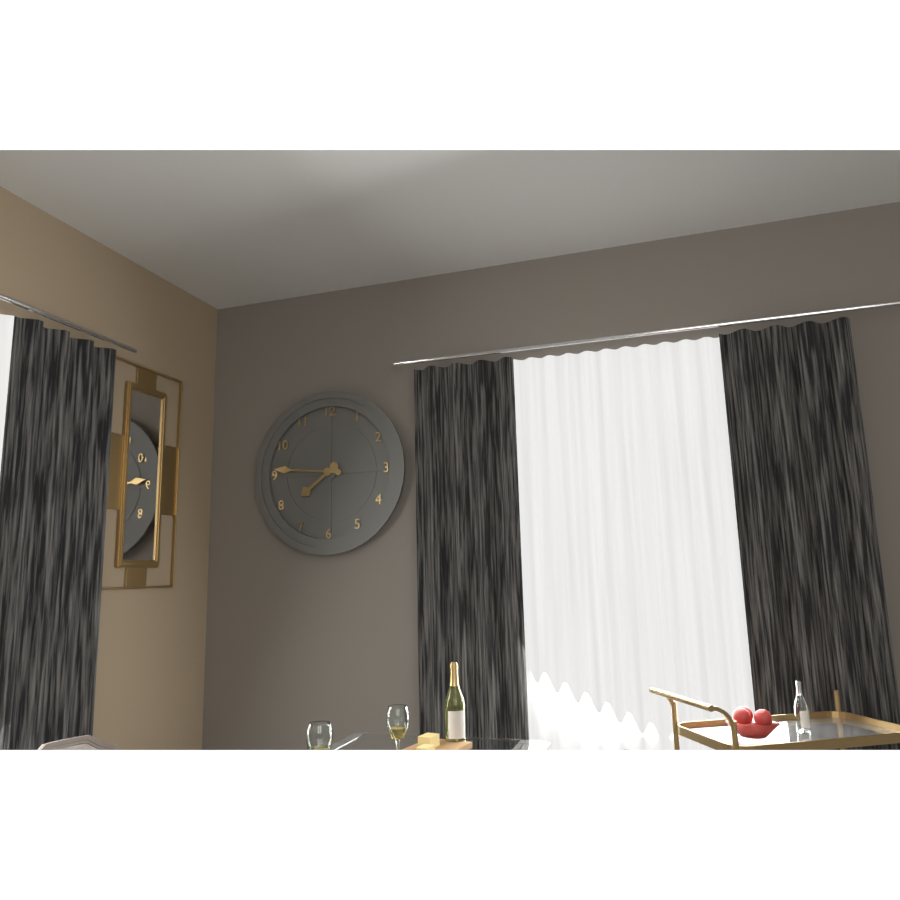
h=7 m=46
